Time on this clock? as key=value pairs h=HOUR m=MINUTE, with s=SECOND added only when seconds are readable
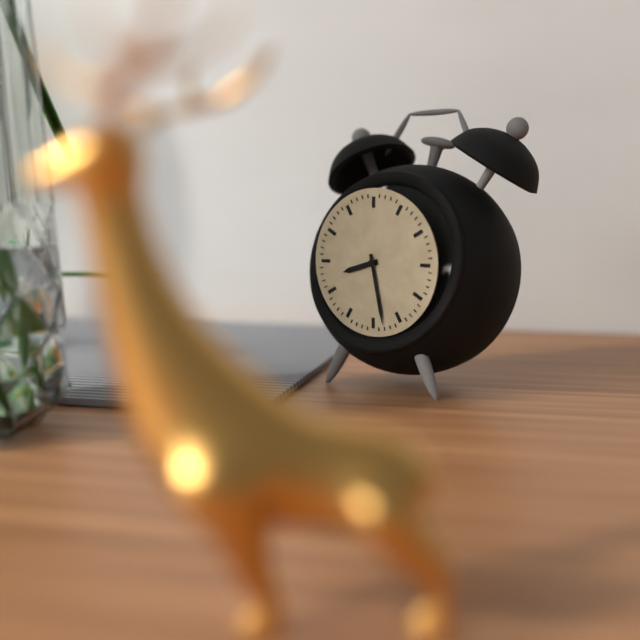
h=8 m=28
